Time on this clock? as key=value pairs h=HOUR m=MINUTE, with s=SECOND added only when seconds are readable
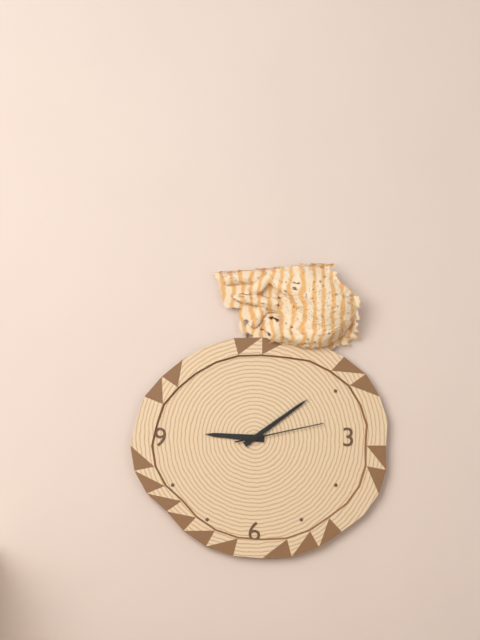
h=9 m=9 s=13
